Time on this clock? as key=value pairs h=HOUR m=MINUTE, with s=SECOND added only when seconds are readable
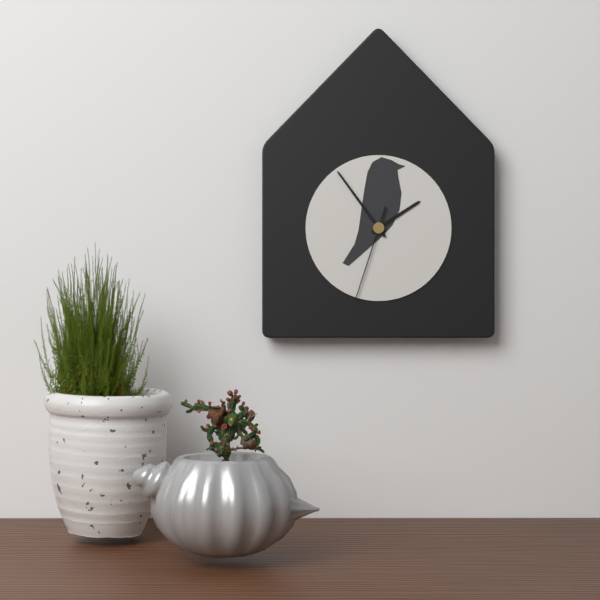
h=1 m=54 s=33
